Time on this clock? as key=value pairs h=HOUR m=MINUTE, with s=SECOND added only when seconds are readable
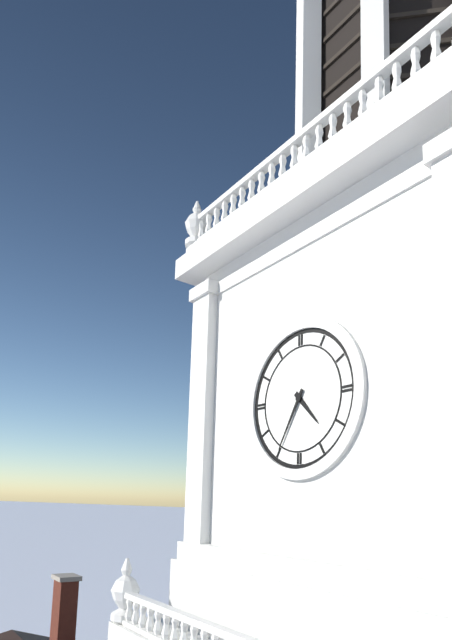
h=4 m=35
